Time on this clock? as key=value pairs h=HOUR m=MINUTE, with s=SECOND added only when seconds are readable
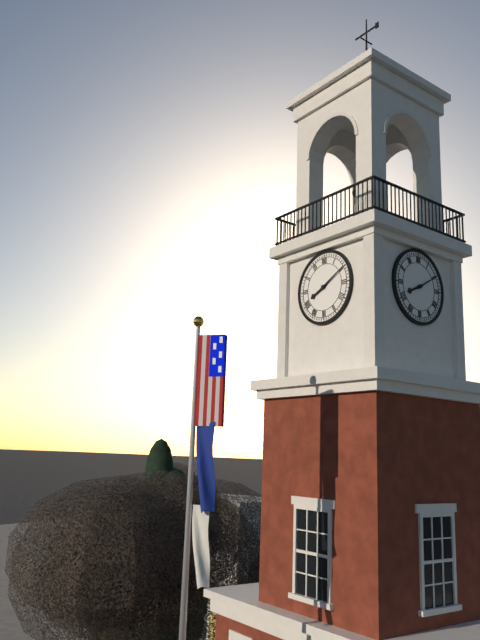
h=8 m=10
